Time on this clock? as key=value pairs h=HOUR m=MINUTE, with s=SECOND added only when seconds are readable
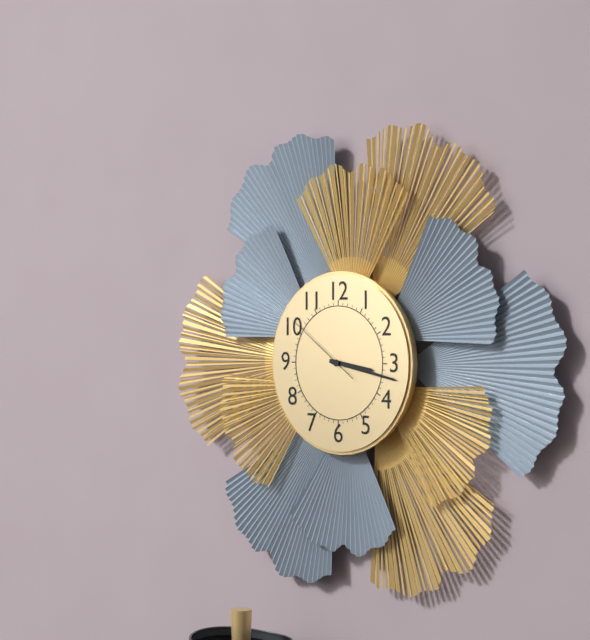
h=3 m=17 s=51
